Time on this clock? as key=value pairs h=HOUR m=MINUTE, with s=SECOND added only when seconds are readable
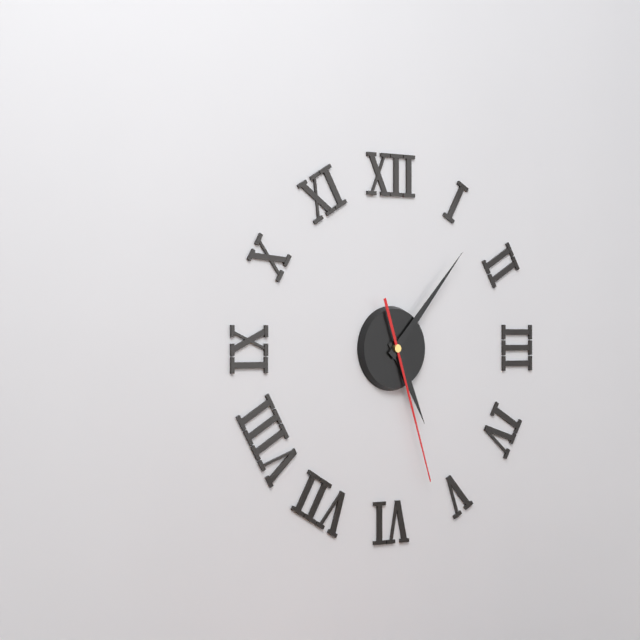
h=5 m=7 s=27
